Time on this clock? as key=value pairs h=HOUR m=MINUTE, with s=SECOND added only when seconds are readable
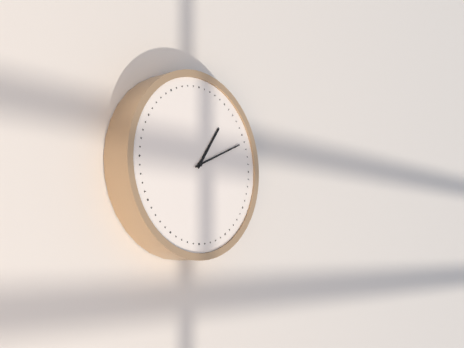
h=1 m=11
